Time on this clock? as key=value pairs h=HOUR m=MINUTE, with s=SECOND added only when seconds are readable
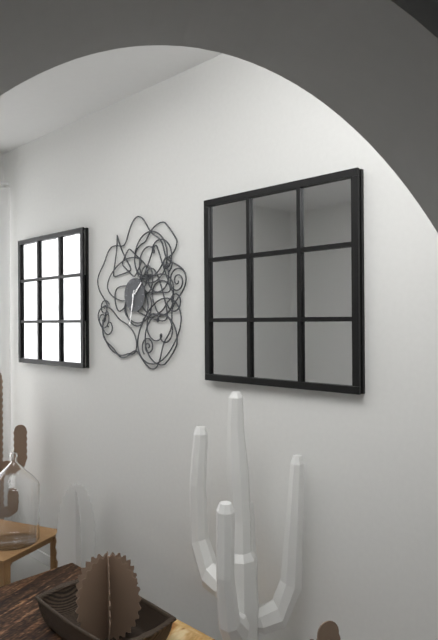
h=1 m=32
